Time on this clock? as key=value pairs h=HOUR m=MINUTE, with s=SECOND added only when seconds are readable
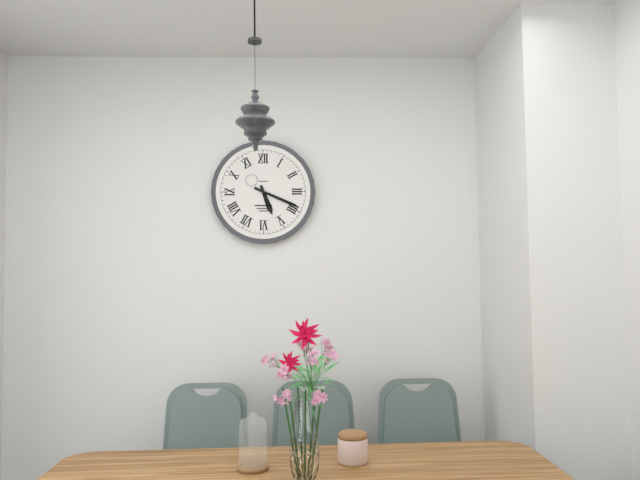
h=5 m=19
